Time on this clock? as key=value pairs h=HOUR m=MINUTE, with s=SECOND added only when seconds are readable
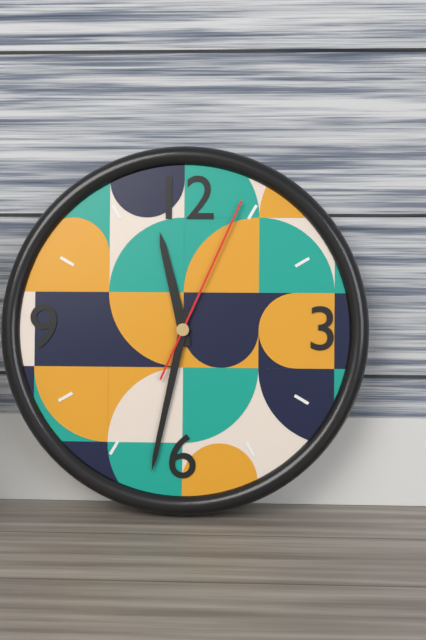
h=11 m=32 s=4
